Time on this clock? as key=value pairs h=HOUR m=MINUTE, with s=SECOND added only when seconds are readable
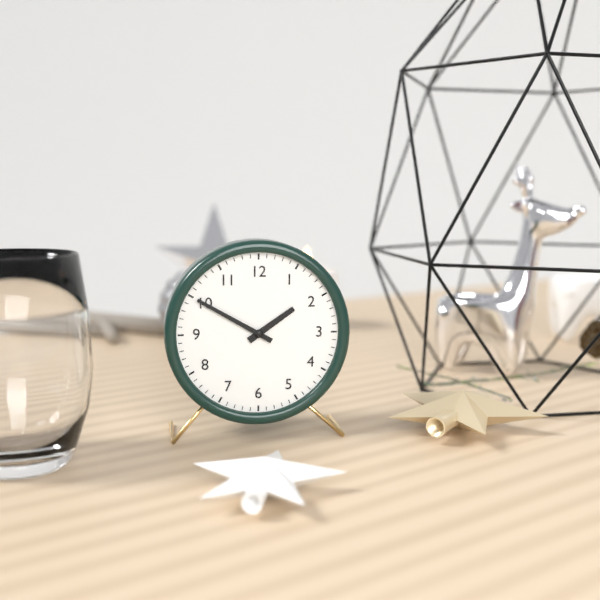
h=1 m=50
